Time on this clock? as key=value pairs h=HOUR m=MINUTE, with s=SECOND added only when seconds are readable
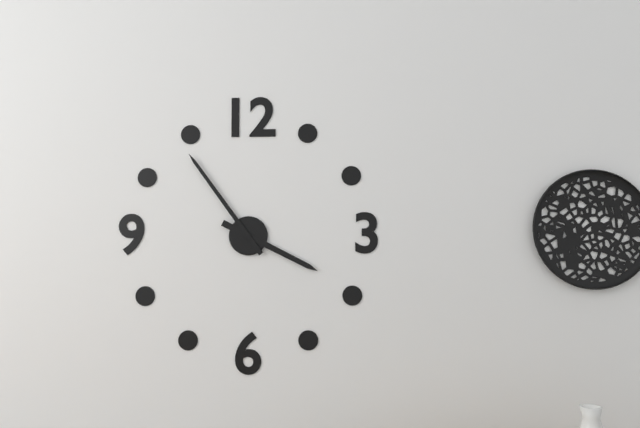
h=3 m=54
